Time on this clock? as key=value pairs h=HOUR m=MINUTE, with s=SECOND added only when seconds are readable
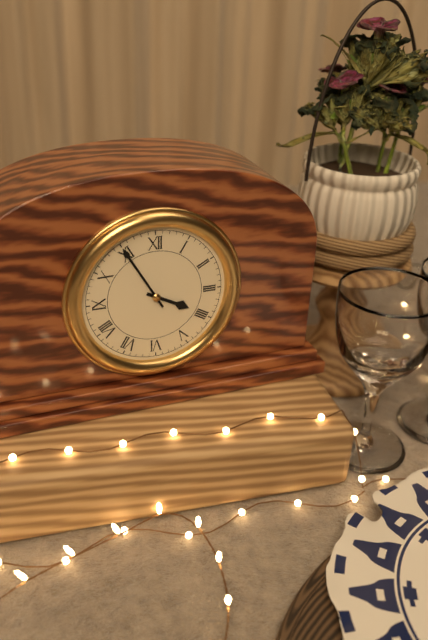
h=3 m=55
